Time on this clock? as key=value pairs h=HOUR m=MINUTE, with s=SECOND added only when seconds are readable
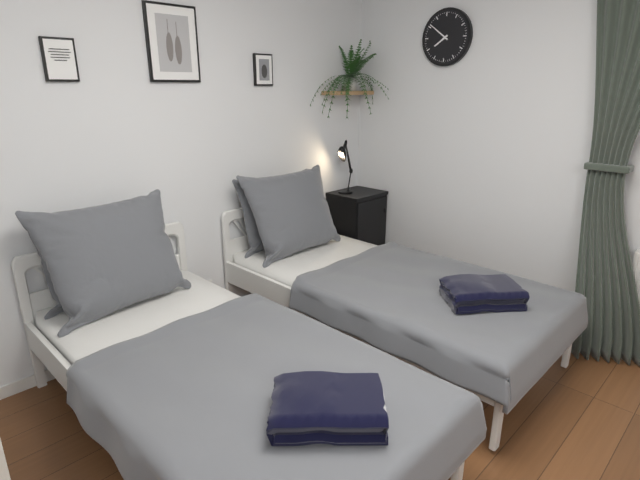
h=7 m=51
